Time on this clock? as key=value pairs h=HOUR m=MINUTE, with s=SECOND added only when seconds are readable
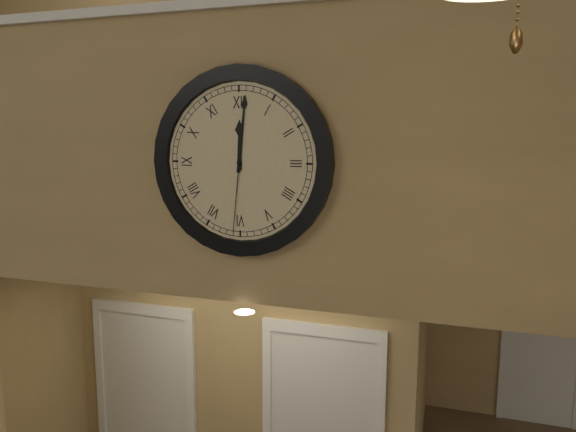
h=12 m=1 s=31
